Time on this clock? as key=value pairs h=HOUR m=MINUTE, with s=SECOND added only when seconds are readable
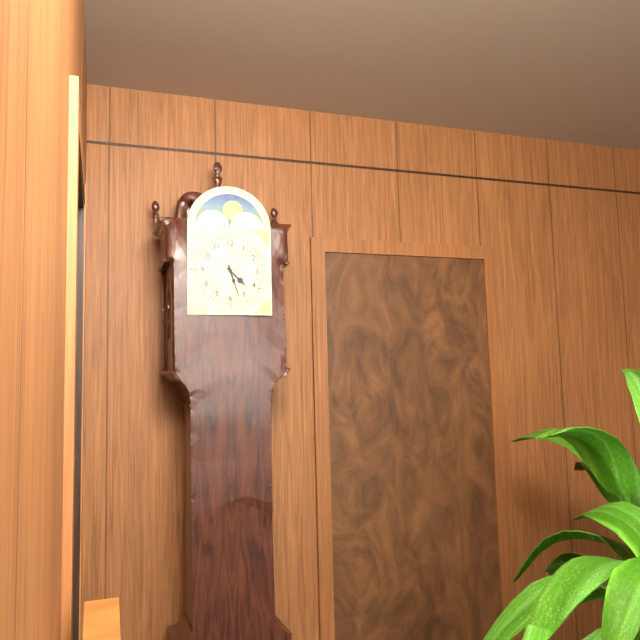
h=4 m=27
